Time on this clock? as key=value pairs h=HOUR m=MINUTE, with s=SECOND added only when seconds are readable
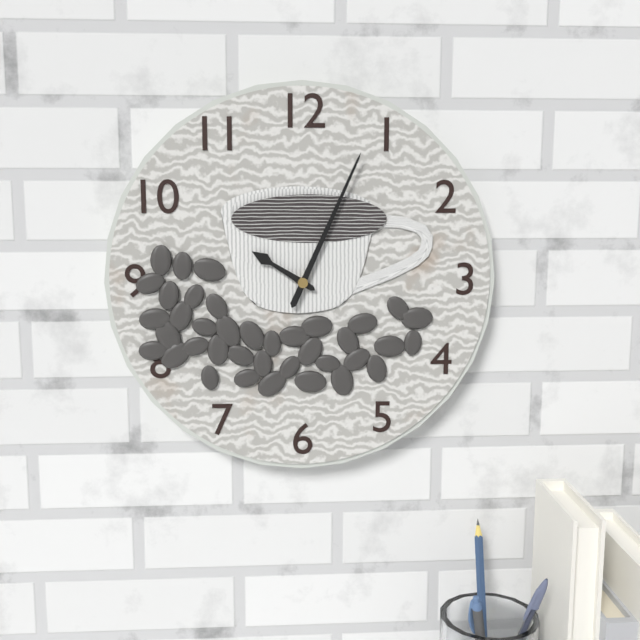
h=10 m=4
